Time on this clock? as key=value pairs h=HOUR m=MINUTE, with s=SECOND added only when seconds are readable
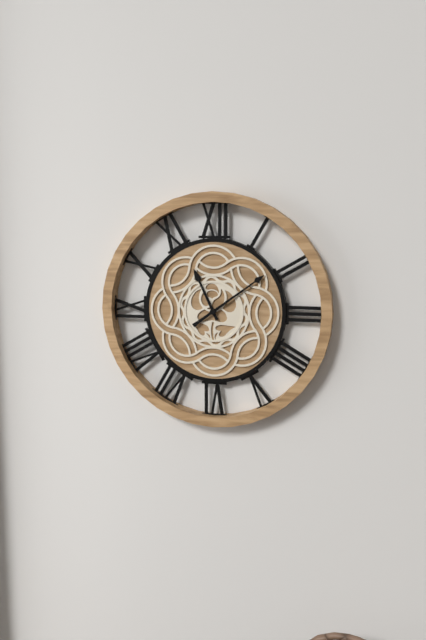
h=11 m=9
